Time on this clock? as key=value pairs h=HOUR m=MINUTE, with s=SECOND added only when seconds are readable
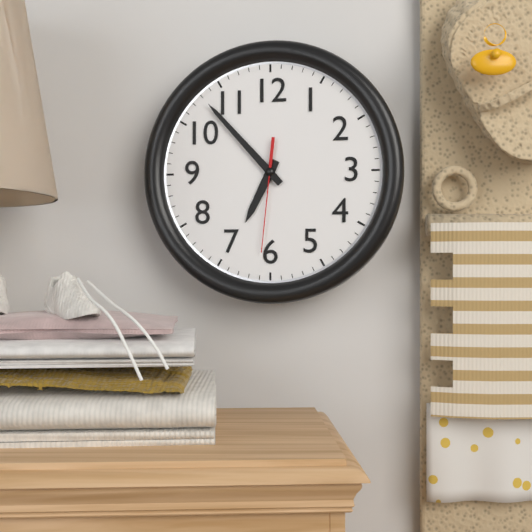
h=6 m=53 s=31
